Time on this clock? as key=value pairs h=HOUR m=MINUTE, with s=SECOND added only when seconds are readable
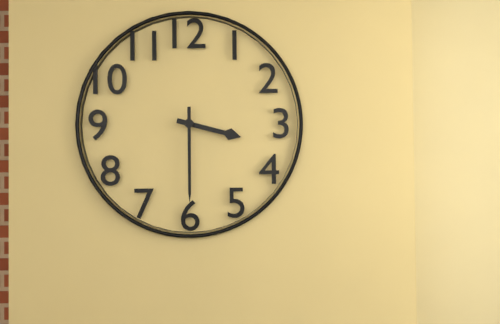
h=3 m=30
